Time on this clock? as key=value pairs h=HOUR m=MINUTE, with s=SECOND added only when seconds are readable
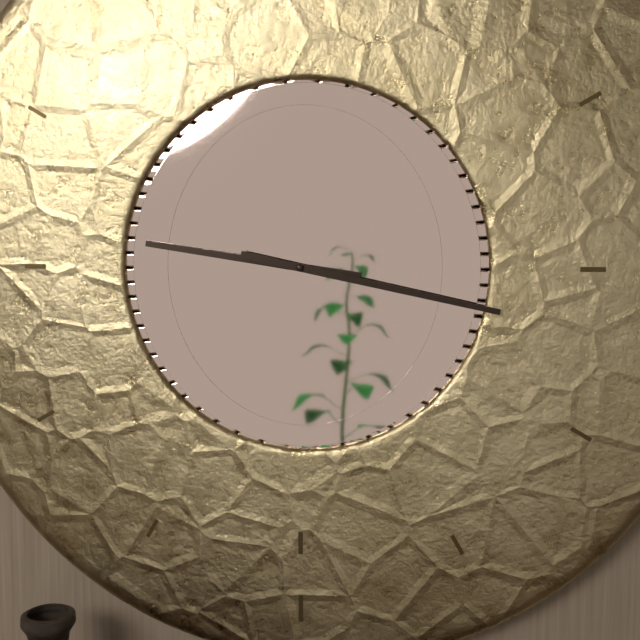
h=9 m=17
